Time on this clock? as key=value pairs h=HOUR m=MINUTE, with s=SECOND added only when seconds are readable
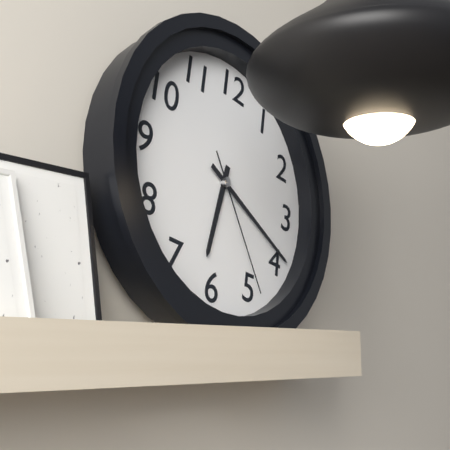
h=6 m=19 s=24
